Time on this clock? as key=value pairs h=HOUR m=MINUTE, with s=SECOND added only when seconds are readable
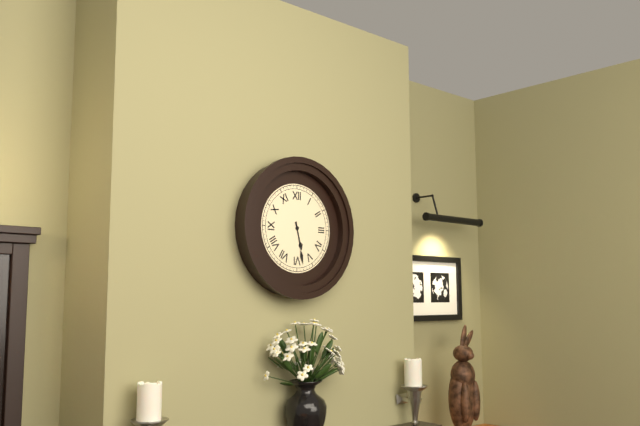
h=5 m=28
